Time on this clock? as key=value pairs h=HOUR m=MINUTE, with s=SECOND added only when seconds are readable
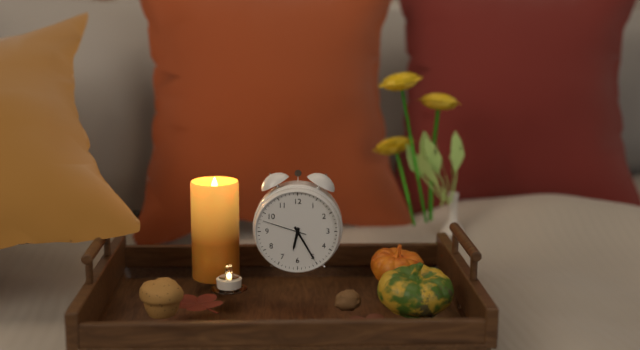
h=6 m=25
